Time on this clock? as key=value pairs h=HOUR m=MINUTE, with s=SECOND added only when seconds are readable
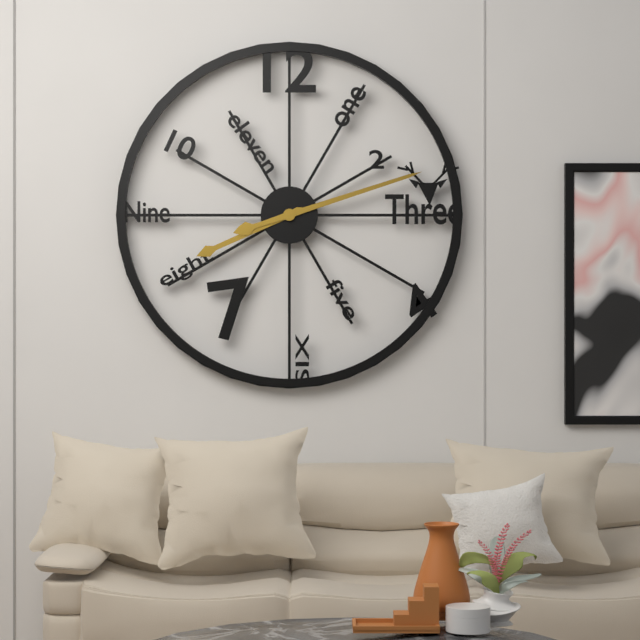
h=8 m=12
